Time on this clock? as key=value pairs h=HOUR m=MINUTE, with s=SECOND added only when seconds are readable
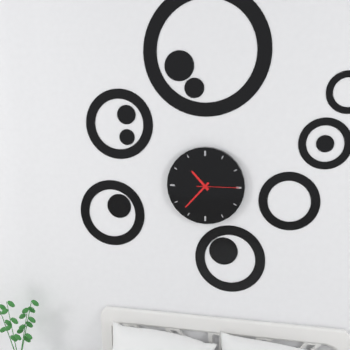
h=10 m=37
